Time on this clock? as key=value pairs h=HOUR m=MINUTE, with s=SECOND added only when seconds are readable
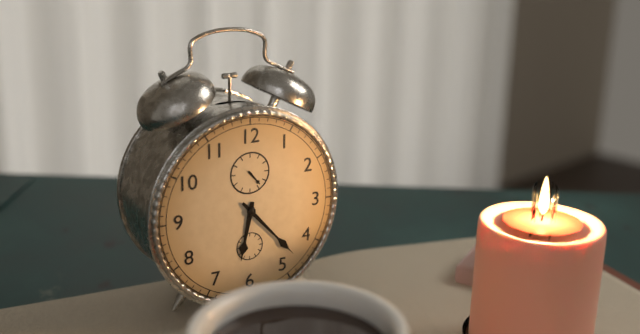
h=6 m=23
